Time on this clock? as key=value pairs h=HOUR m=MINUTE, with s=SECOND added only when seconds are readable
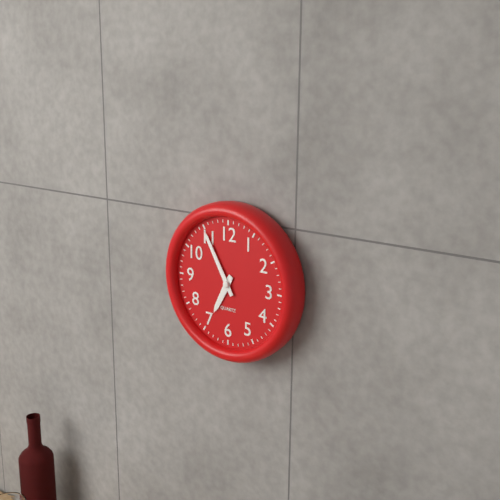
h=6 m=55
